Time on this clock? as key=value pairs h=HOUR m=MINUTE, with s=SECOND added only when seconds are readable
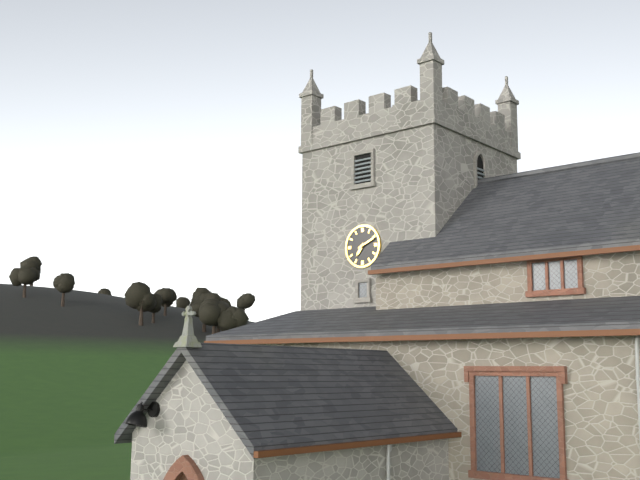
h=7 m=11
